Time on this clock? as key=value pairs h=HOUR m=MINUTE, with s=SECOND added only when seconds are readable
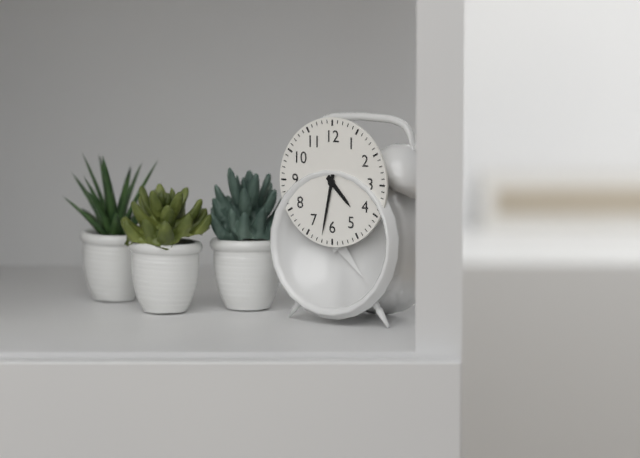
h=4 m=32
